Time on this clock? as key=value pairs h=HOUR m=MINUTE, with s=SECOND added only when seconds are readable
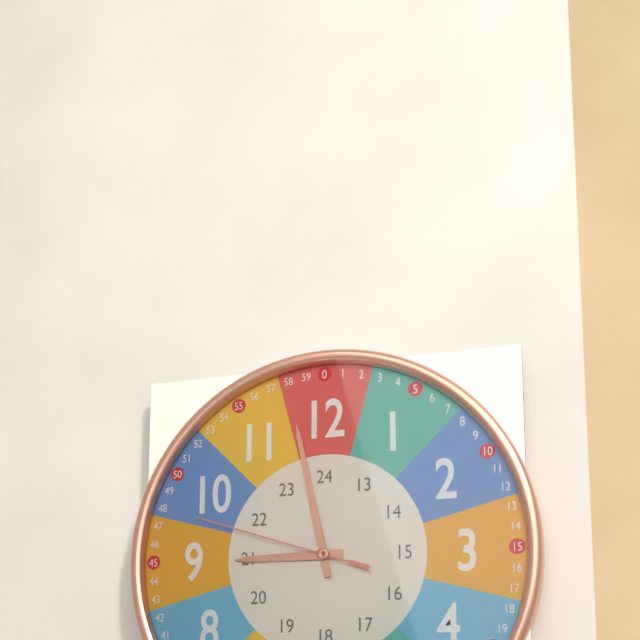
h=8 m=58 s=48
